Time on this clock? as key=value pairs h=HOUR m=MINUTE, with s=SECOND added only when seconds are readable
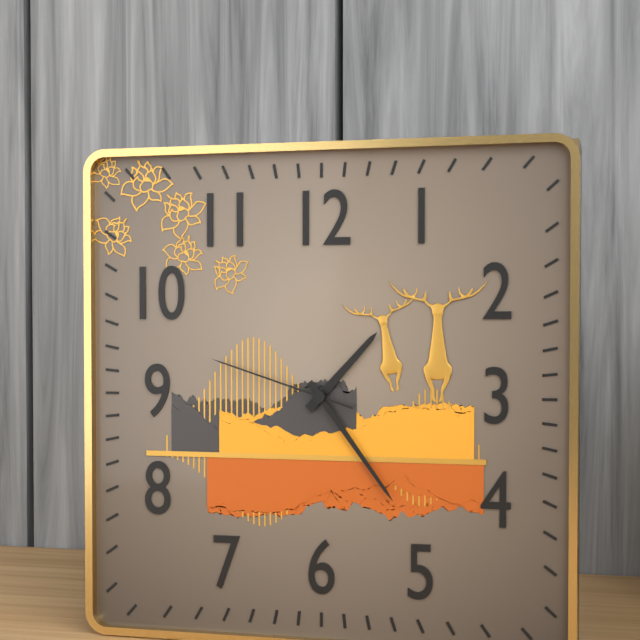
h=1 m=24 s=48
